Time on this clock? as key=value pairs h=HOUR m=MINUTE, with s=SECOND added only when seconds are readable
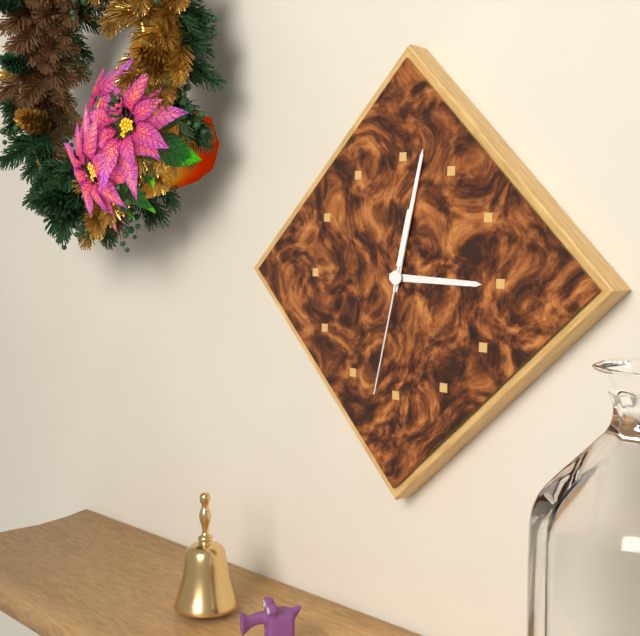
h=3 m=2 s=32
